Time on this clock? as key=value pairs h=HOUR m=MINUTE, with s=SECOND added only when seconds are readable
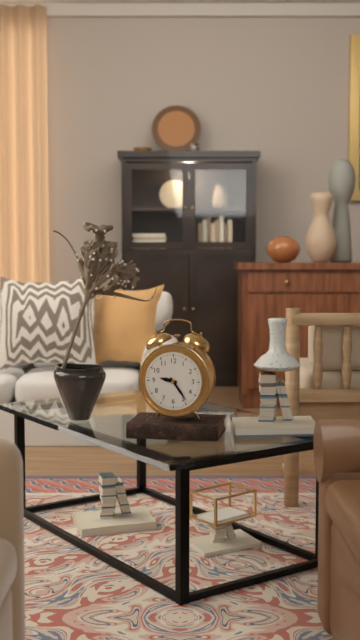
h=9 m=24
